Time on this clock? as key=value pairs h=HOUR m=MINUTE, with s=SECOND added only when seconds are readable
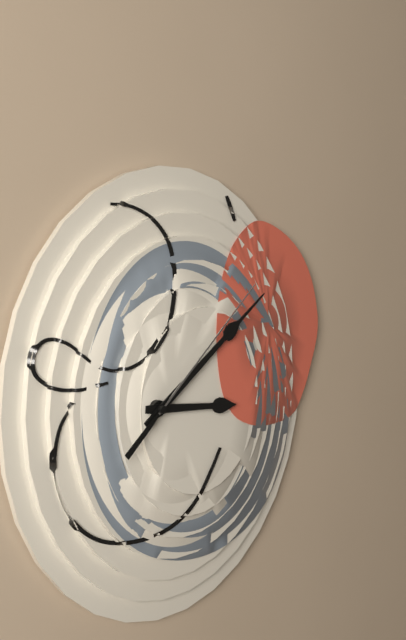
h=3 m=9 s=8
